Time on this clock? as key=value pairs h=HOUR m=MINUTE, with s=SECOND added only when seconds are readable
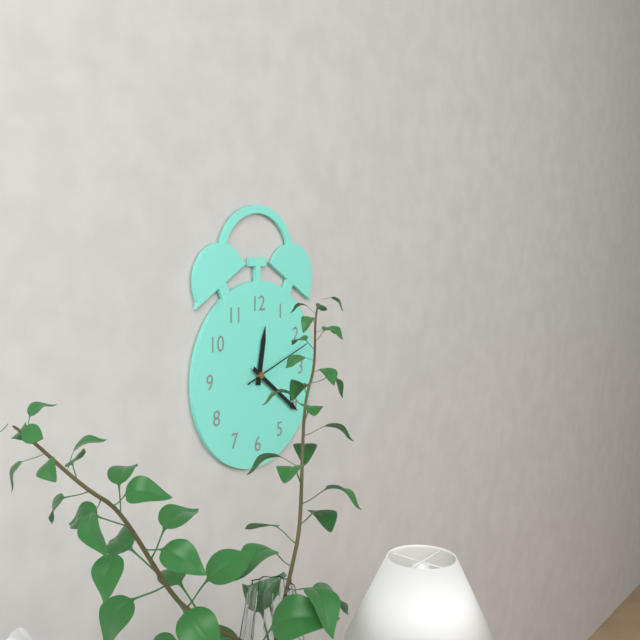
h=12 m=21 s=12
